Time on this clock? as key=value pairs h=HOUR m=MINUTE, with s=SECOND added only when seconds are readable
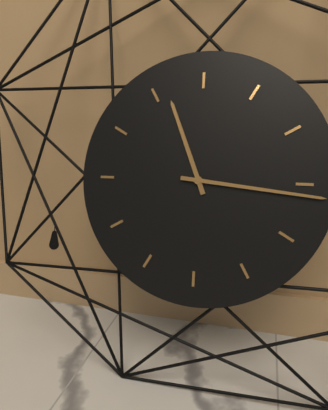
h=11 m=16
